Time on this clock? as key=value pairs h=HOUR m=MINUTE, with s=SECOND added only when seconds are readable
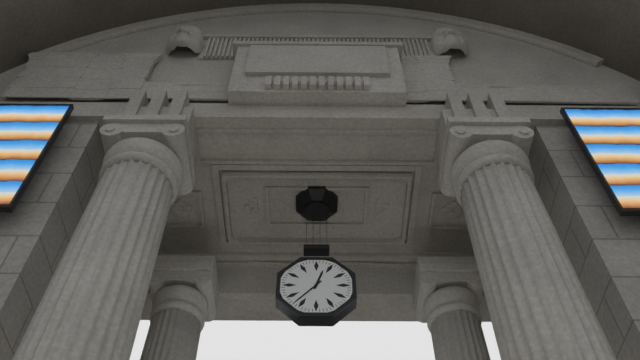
h=12 m=37
